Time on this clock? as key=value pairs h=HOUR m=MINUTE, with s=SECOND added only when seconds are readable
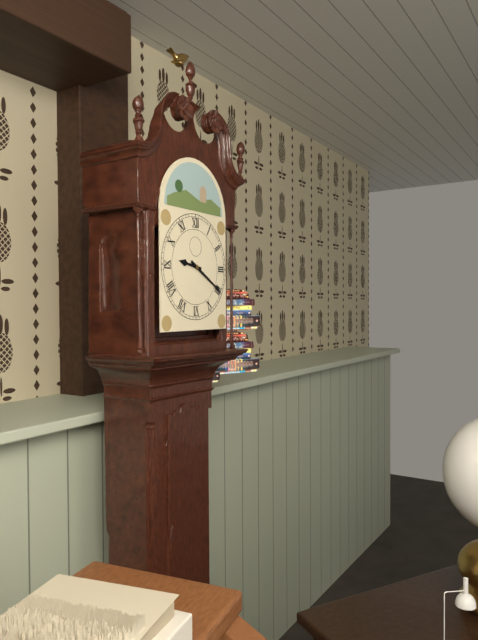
h=9 m=20
